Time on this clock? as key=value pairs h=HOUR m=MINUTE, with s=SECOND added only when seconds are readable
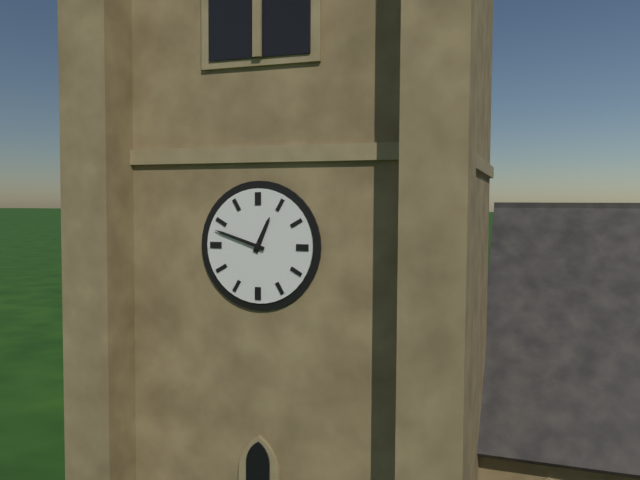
h=12 m=48
